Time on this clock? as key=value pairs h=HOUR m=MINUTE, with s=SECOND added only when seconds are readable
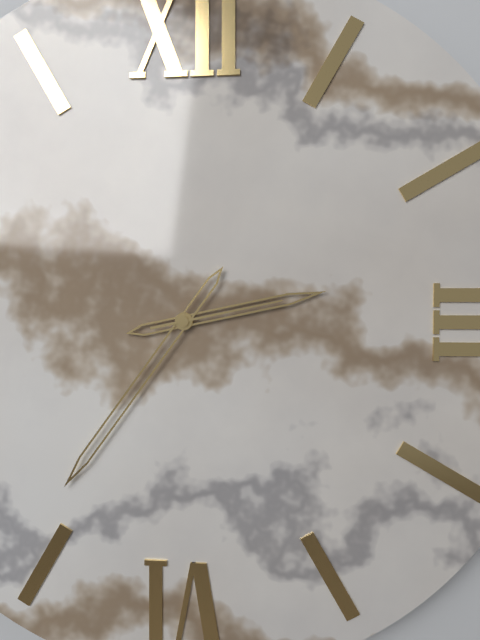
h=2 m=36 s=13
